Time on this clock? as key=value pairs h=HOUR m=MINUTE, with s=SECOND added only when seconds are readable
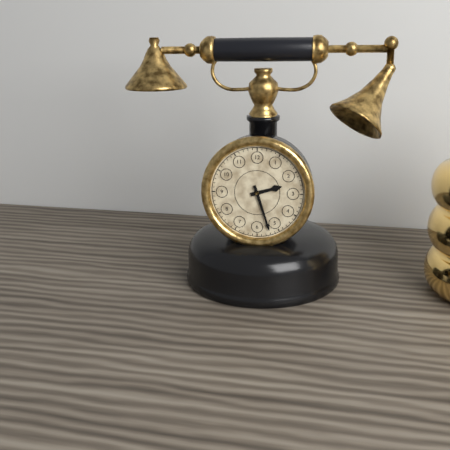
h=2 m=27
